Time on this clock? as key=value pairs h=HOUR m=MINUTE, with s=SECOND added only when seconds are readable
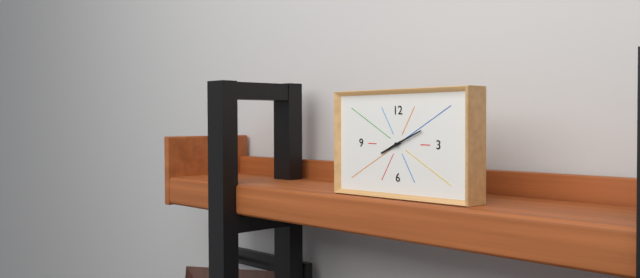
h=8 m=11
